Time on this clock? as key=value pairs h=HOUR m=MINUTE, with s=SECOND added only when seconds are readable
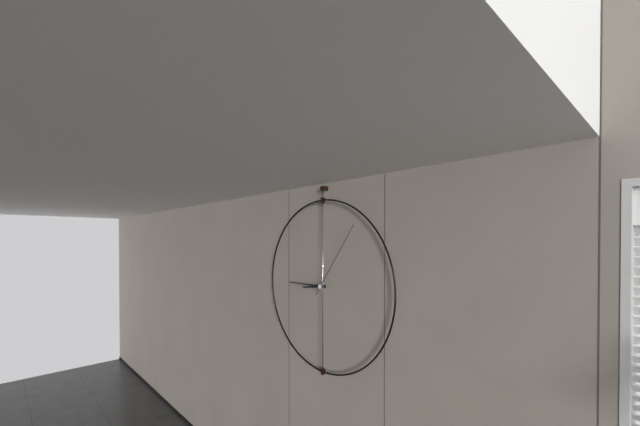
h=8 m=45 s=6
